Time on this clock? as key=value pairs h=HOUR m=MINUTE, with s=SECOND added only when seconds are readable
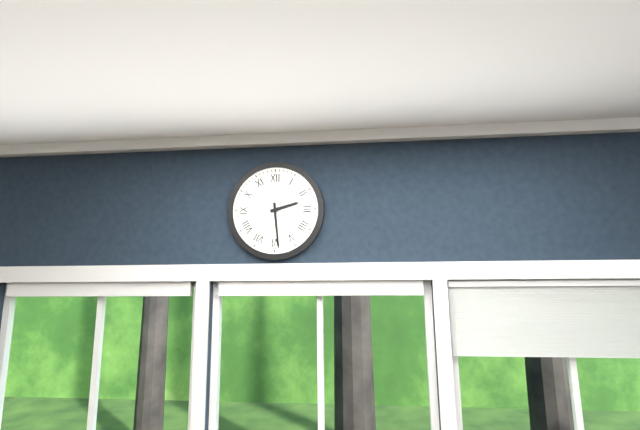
h=2 m=29
